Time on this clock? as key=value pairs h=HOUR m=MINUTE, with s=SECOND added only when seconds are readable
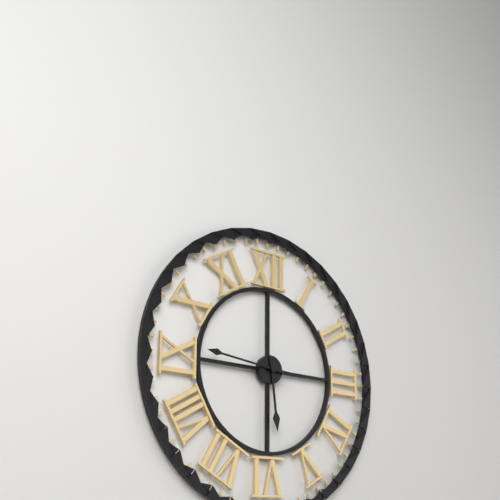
h=5 m=46
